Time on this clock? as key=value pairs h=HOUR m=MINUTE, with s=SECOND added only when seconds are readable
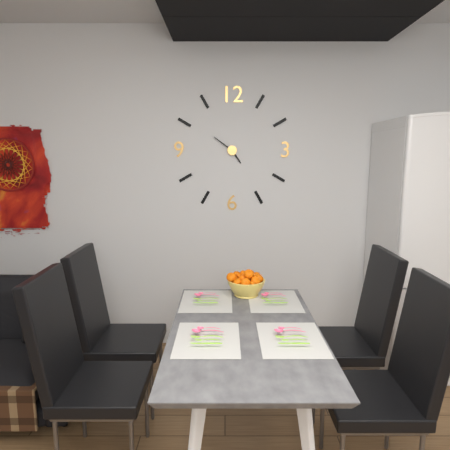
h=4 m=51
